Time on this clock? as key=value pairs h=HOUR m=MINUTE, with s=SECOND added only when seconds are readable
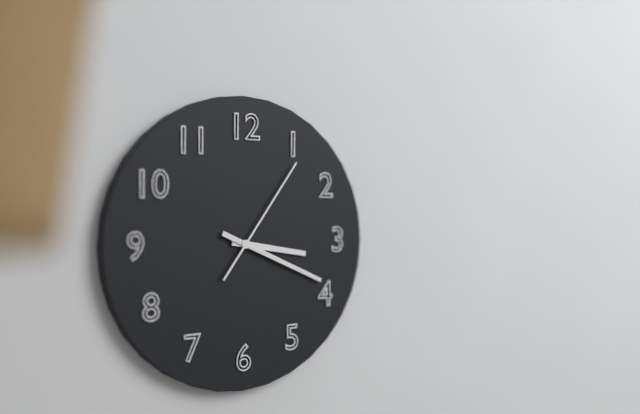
h=3 m=19 s=6
